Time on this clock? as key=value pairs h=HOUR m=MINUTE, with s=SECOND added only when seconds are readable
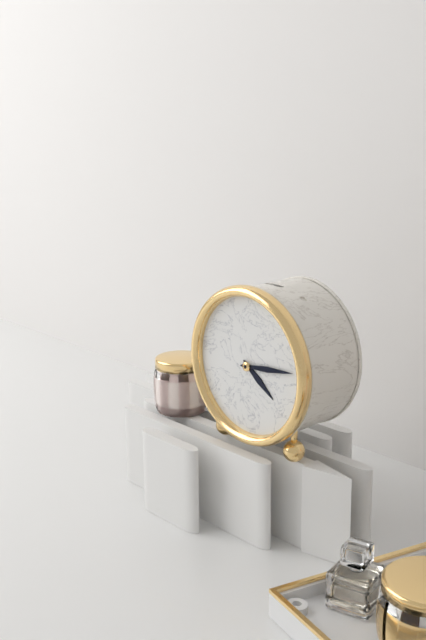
h=4 m=14
